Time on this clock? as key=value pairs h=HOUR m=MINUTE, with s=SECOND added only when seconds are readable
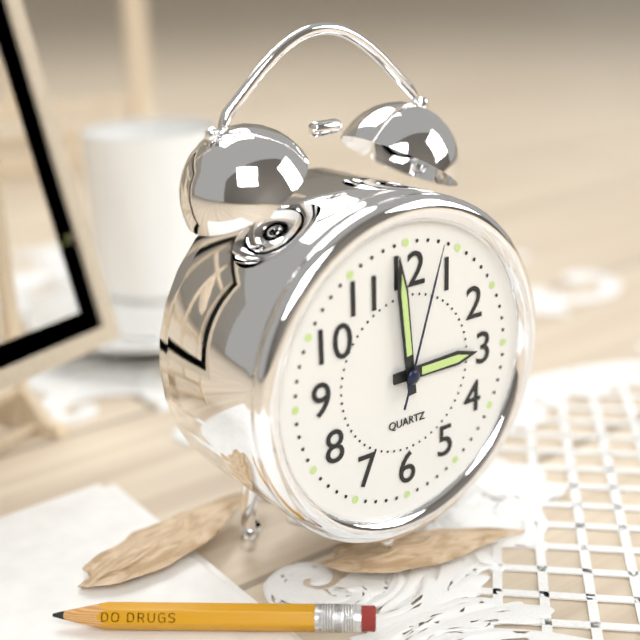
h=2 m=59 s=3
